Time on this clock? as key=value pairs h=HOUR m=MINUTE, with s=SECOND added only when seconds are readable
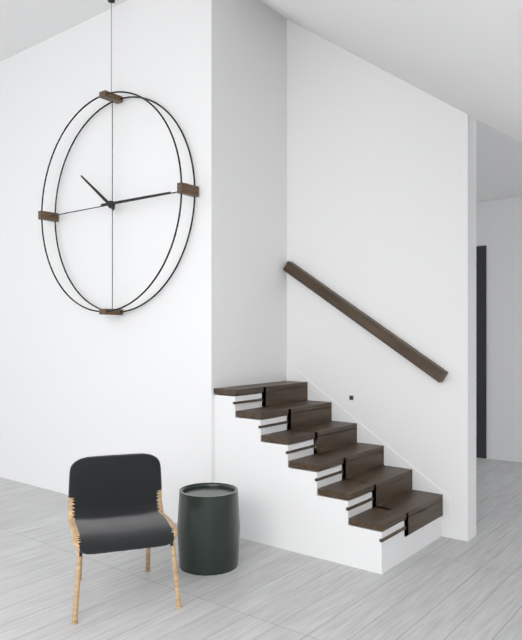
h=10 m=15
